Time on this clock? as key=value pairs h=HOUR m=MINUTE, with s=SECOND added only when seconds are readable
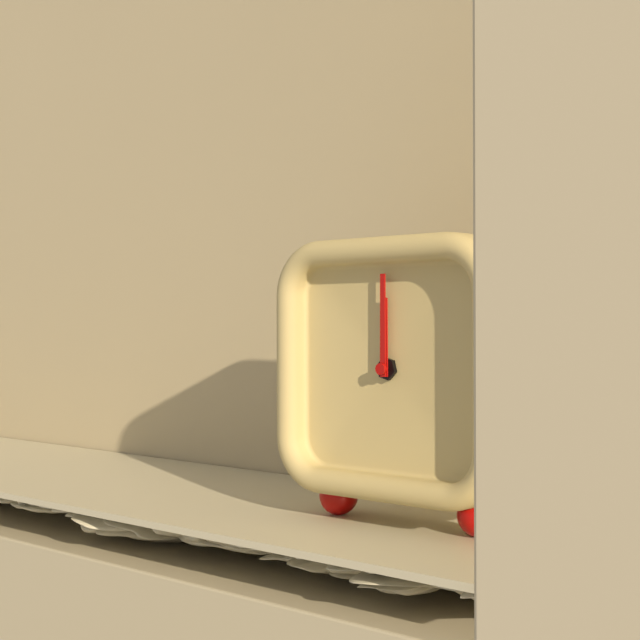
h=12 m=0
